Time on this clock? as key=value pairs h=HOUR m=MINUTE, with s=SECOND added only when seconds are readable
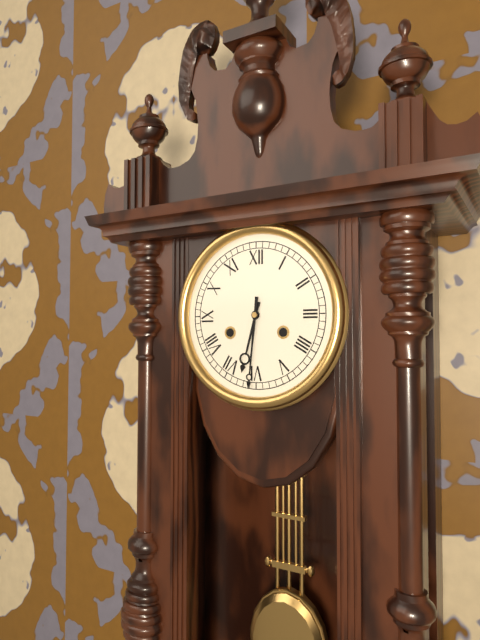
h=6 m=31
